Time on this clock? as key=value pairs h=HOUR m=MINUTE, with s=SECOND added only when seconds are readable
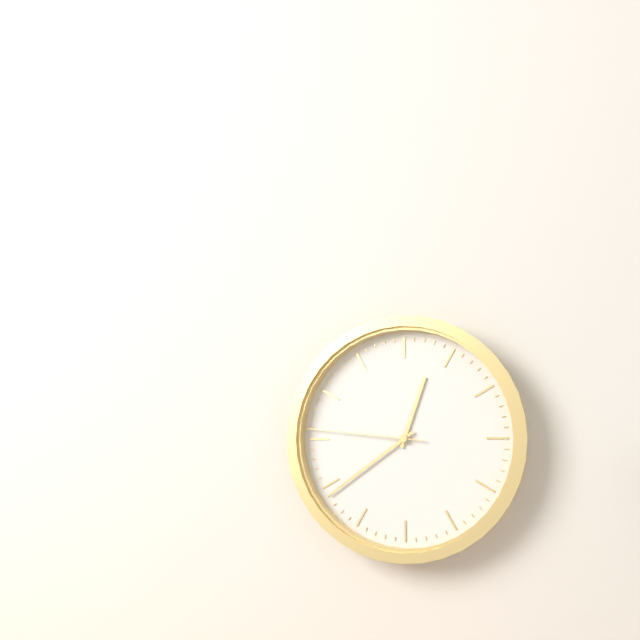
h=12 m=39 s=46
